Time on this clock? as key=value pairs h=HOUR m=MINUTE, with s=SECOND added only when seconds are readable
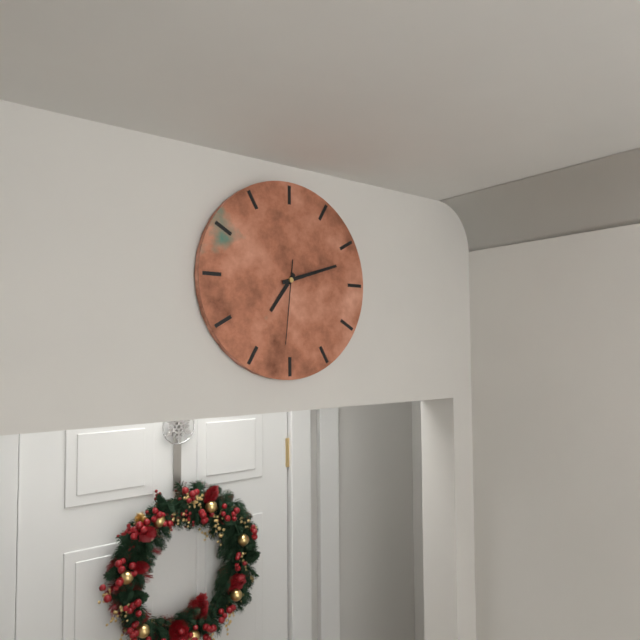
h=7 m=12 s=31
